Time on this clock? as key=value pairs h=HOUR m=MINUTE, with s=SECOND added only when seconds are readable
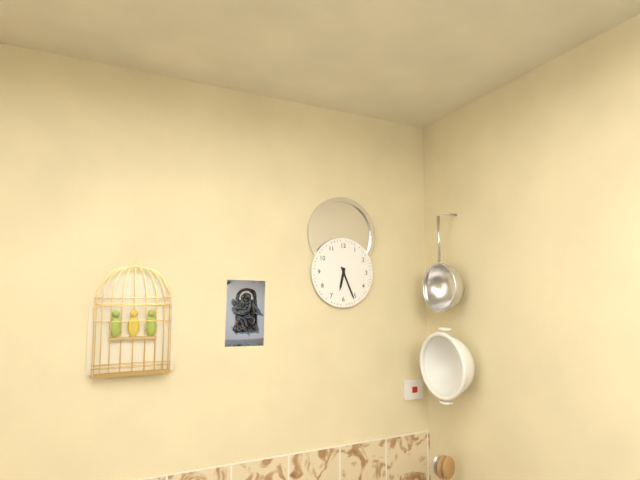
h=6 m=26
